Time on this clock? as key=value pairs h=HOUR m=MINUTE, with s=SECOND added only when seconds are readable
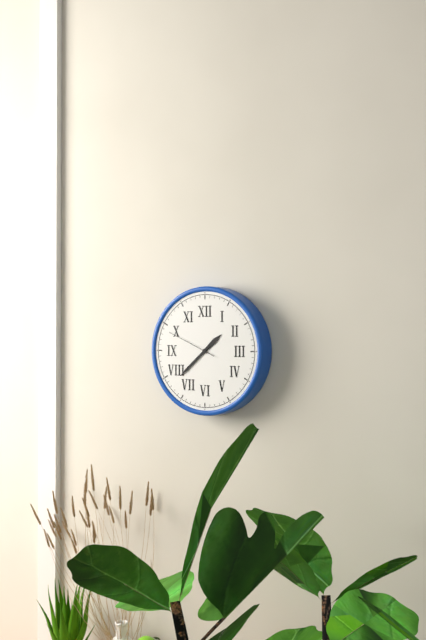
h=1 m=38
